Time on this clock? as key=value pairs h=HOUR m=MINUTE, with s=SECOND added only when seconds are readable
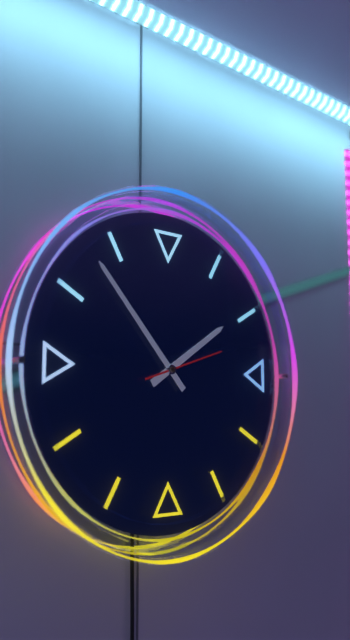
h=1 m=53 s=12
